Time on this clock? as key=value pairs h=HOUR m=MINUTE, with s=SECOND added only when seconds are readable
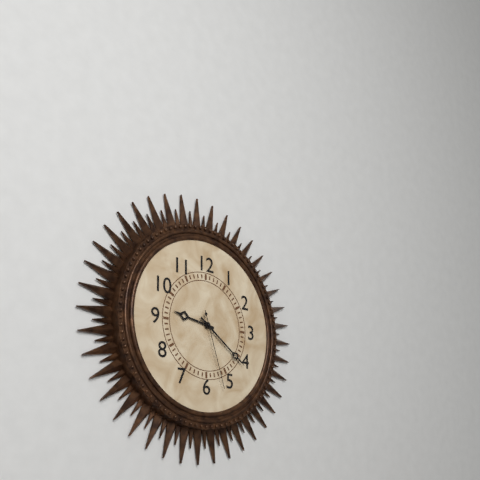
h=9 m=21 s=27
